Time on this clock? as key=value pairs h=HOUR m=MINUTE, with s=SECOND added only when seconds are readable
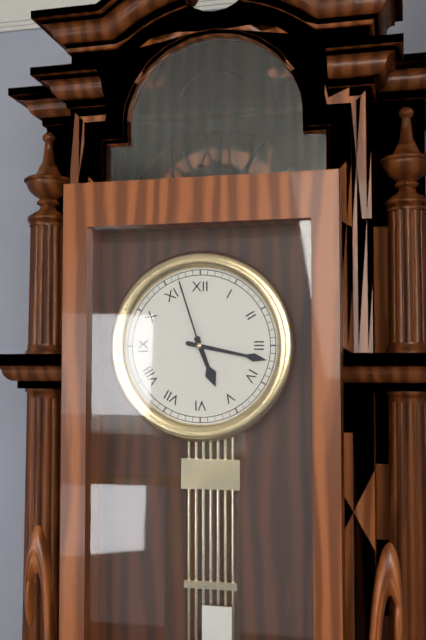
h=5 m=17 s=57
